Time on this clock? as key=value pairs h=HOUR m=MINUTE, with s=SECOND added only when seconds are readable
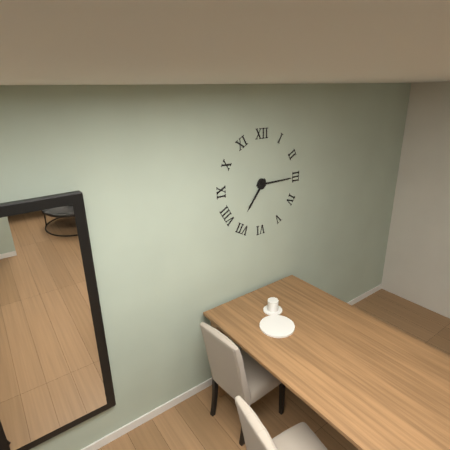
h=7 m=15
